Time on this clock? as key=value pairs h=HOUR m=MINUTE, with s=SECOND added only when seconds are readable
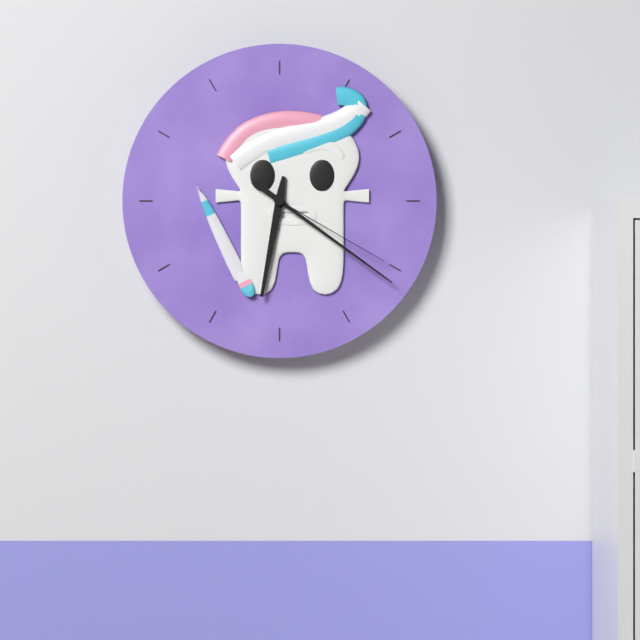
h=6 m=21 s=20
